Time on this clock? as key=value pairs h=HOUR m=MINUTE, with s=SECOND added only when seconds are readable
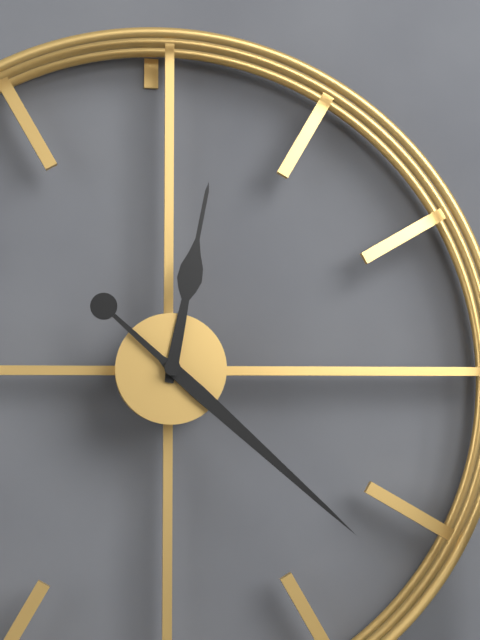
h=12 m=22
